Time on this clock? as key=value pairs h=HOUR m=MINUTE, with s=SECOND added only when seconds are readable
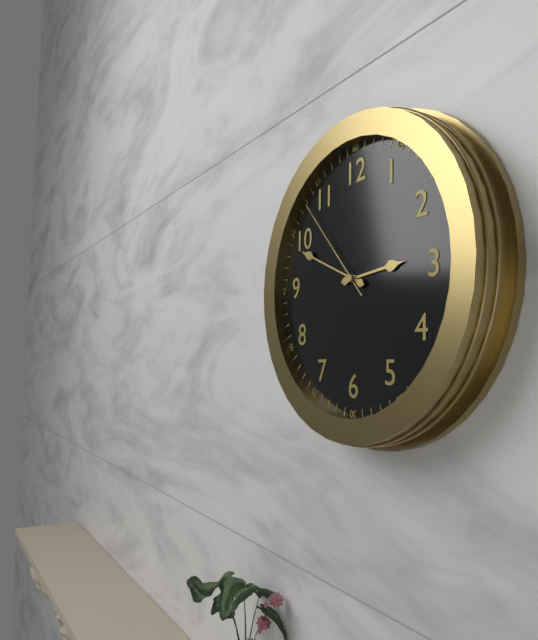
h=2 m=49 s=53
